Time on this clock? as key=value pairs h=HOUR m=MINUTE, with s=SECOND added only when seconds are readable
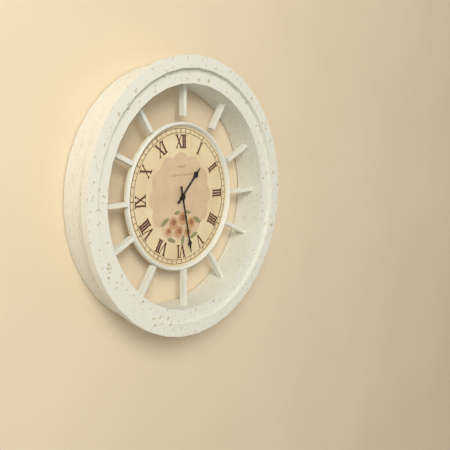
h=1 m=28
